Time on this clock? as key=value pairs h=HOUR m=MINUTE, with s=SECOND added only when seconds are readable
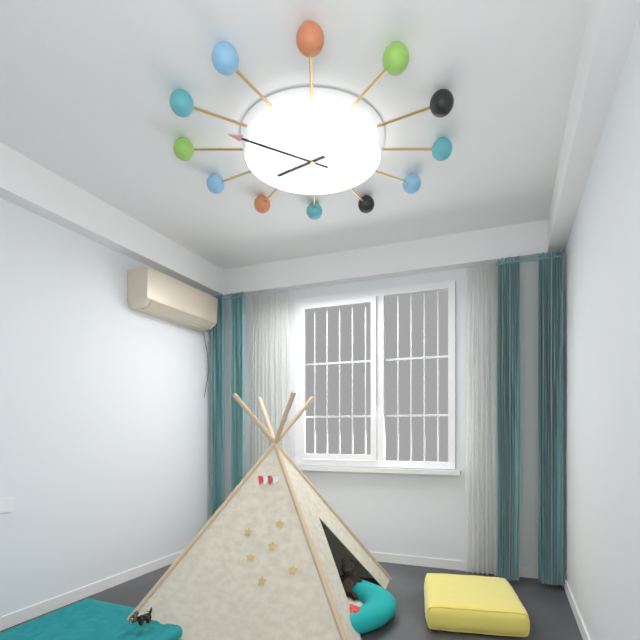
h=7 m=50
